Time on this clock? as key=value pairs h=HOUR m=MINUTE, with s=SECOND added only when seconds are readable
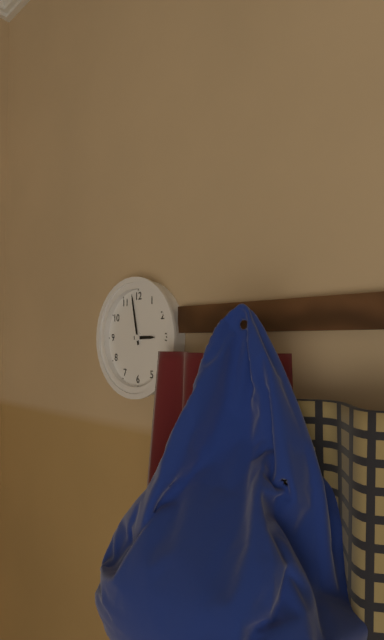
h=2 m=58
